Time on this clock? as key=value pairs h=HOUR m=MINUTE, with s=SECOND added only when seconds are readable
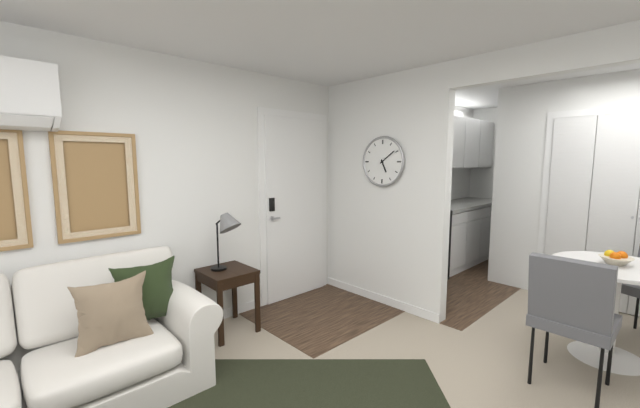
h=5 m=9
